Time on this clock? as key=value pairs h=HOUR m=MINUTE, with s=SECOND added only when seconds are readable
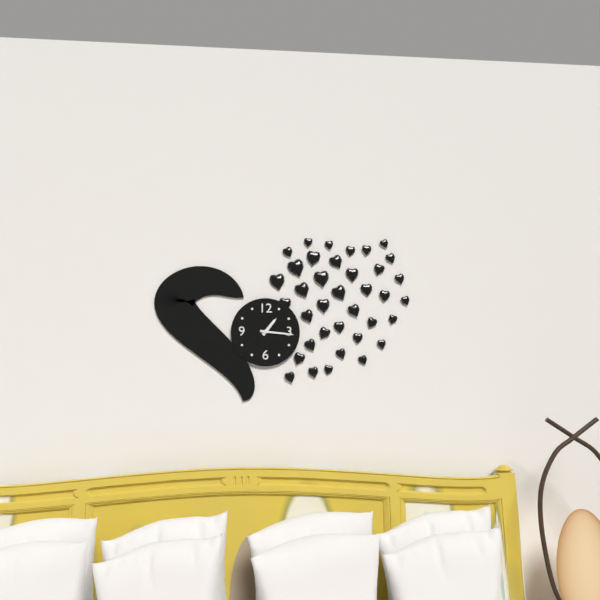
h=1 m=16
